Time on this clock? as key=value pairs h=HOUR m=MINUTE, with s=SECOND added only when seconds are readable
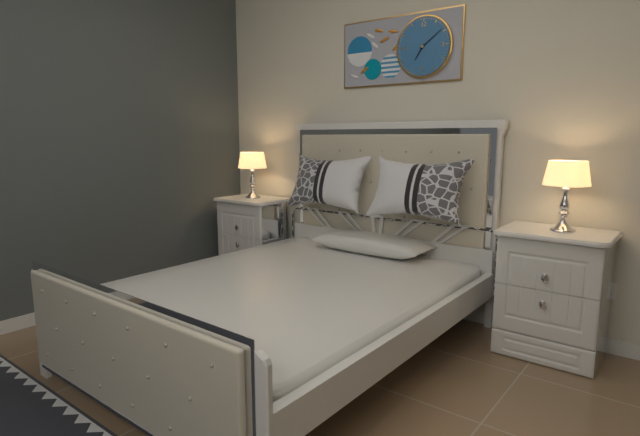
h=7 m=9
